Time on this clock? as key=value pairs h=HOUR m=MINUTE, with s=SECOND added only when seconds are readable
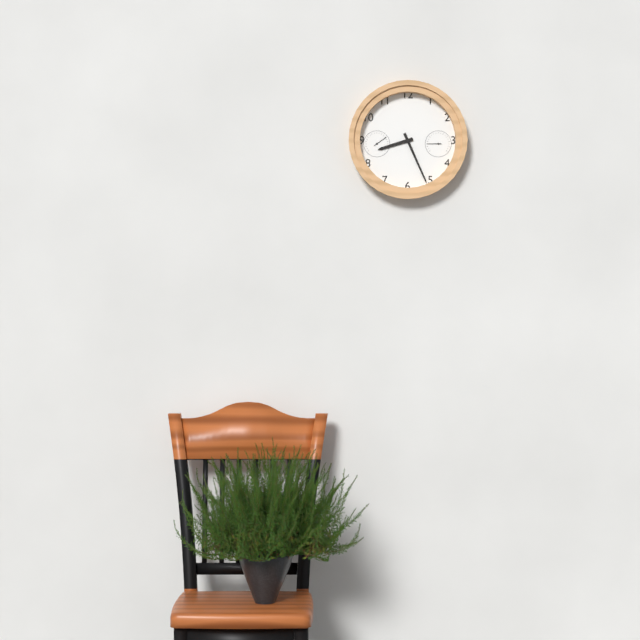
h=8 m=26
